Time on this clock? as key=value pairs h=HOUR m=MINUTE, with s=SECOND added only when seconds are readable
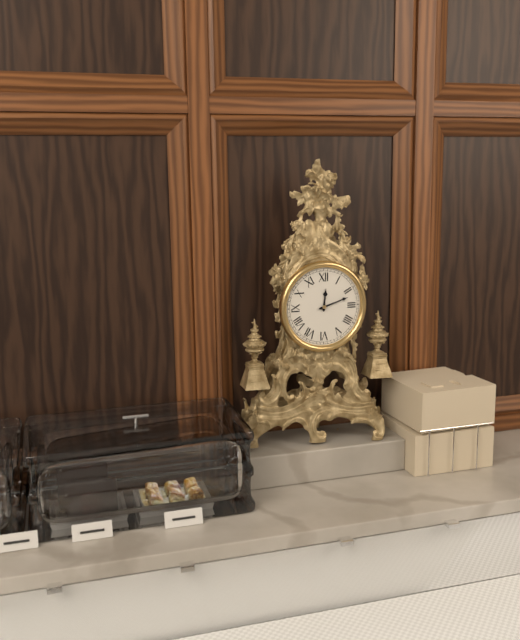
h=12 m=12
